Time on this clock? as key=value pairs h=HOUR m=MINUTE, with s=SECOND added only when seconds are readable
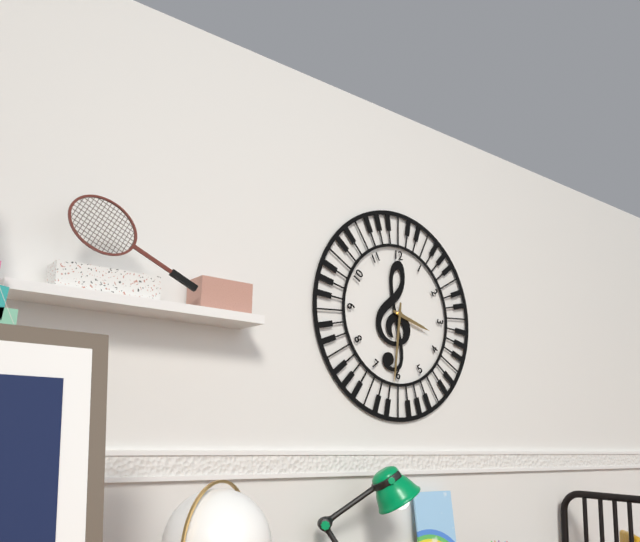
h=3 m=31
